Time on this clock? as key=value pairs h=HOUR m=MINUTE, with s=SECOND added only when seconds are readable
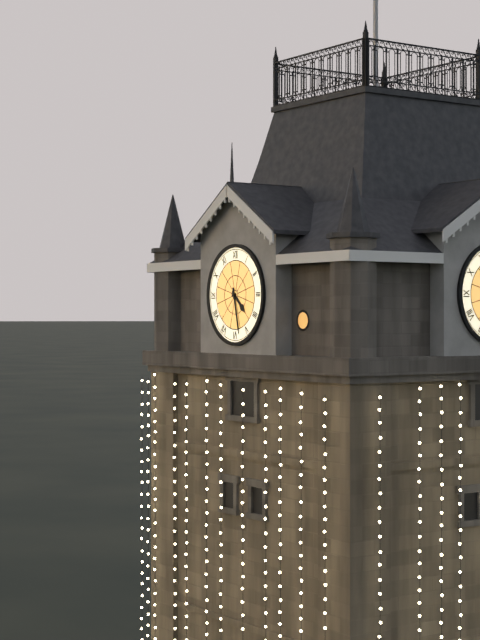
h=4 m=28
